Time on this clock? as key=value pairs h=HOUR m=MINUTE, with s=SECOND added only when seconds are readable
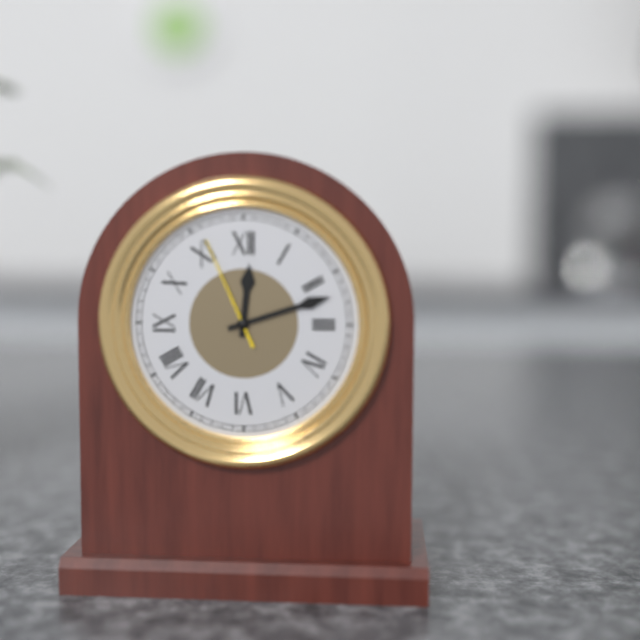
h=12 m=12 s=56
